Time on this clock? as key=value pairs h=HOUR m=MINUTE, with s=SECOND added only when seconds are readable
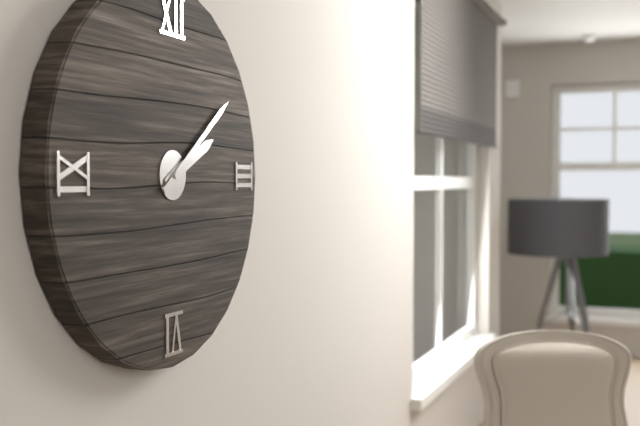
h=2 m=9
